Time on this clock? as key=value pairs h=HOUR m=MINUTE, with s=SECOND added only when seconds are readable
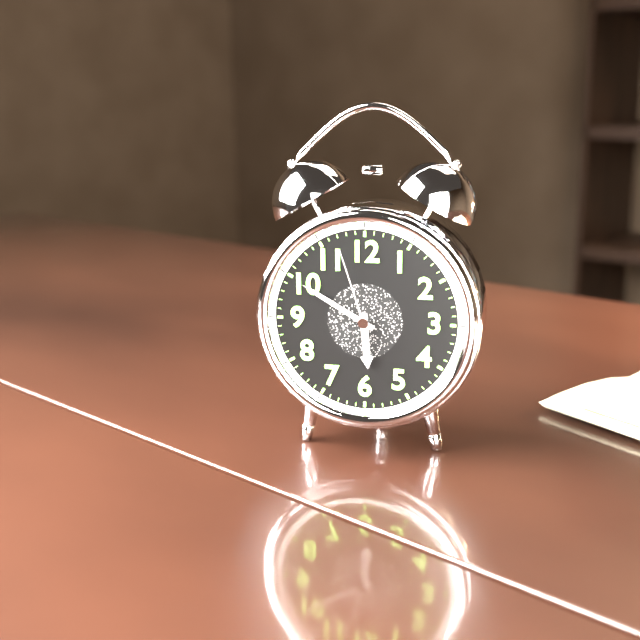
h=5 m=50 s=57
